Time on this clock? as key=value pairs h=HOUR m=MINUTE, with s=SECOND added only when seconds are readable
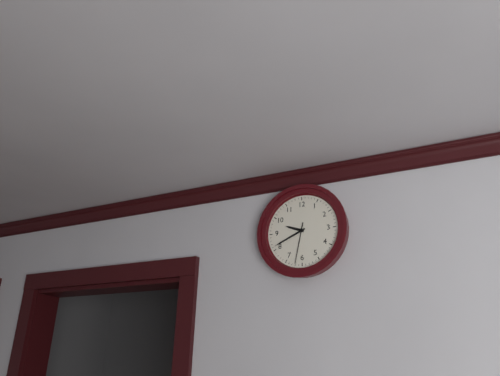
h=9 m=41
